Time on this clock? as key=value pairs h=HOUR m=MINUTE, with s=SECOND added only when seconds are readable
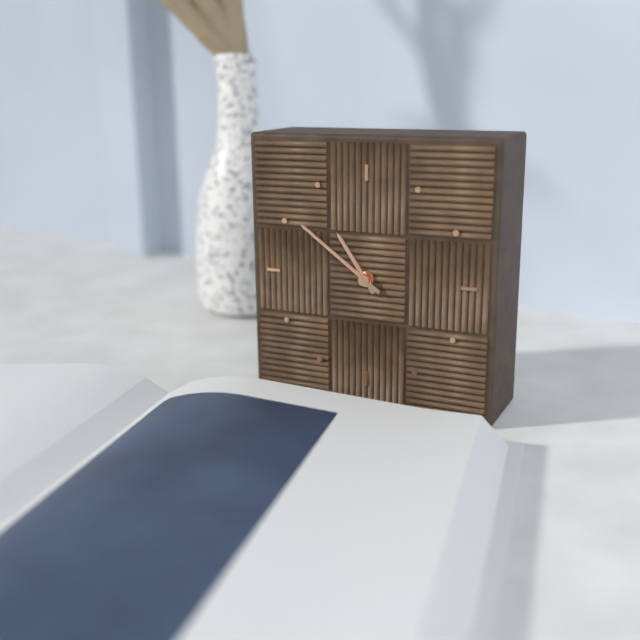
h=10 m=51
